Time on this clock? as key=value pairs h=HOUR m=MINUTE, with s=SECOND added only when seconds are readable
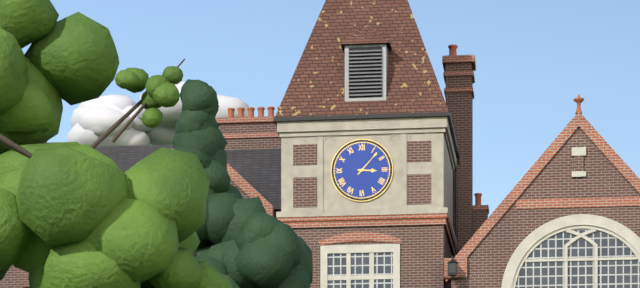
h=3 m=7
